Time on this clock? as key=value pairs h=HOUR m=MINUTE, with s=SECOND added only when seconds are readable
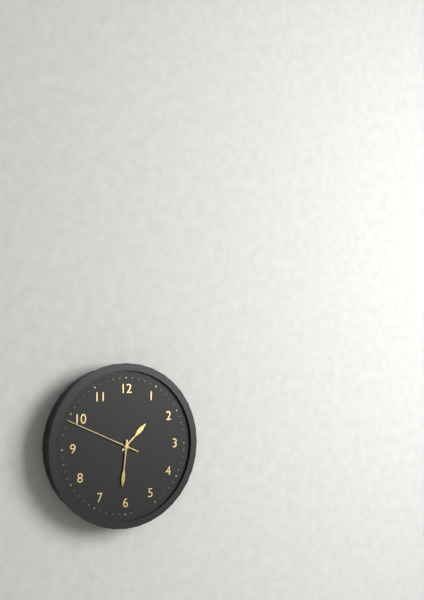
h=1 m=31 s=49
